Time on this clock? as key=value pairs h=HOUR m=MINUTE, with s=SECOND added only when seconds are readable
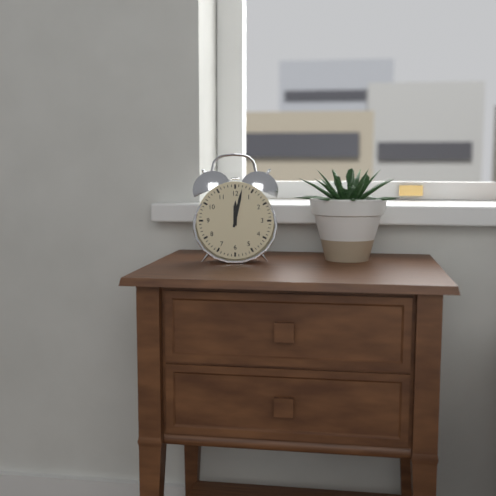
h=12 m=2
